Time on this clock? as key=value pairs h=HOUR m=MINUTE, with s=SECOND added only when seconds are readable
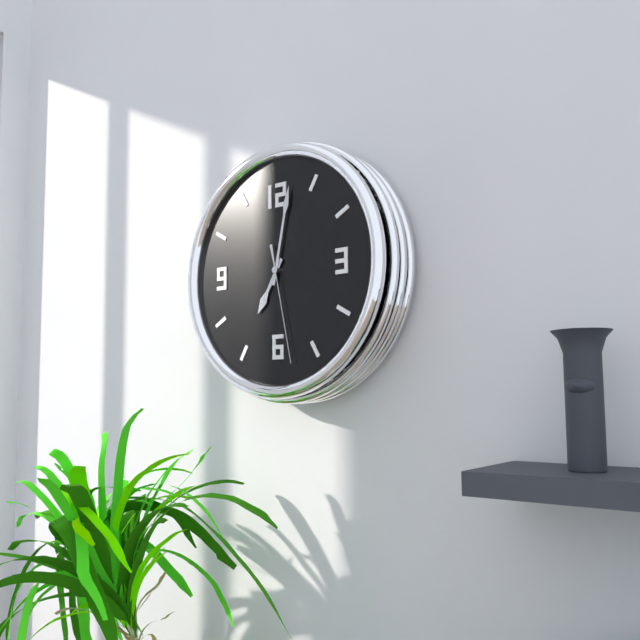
h=7 m=2 s=28
